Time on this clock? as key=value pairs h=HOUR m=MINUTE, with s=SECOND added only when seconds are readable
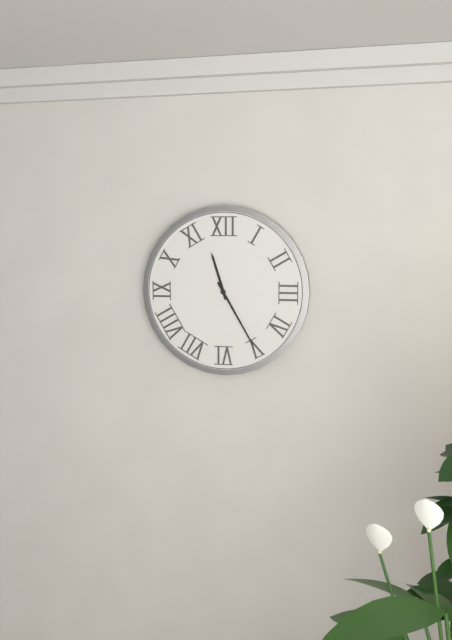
h=11 m=25
